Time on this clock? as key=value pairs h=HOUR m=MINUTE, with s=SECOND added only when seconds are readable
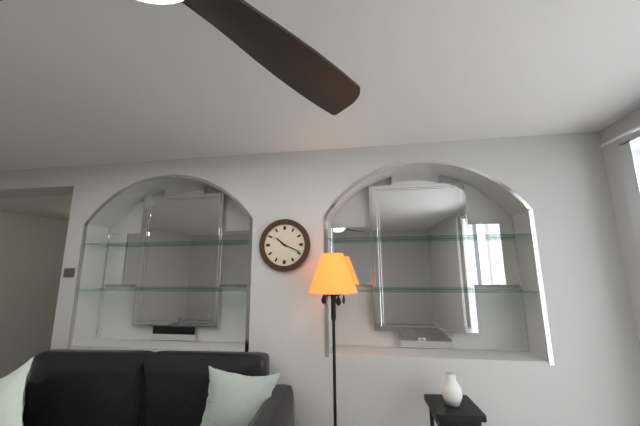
h=10 m=19
